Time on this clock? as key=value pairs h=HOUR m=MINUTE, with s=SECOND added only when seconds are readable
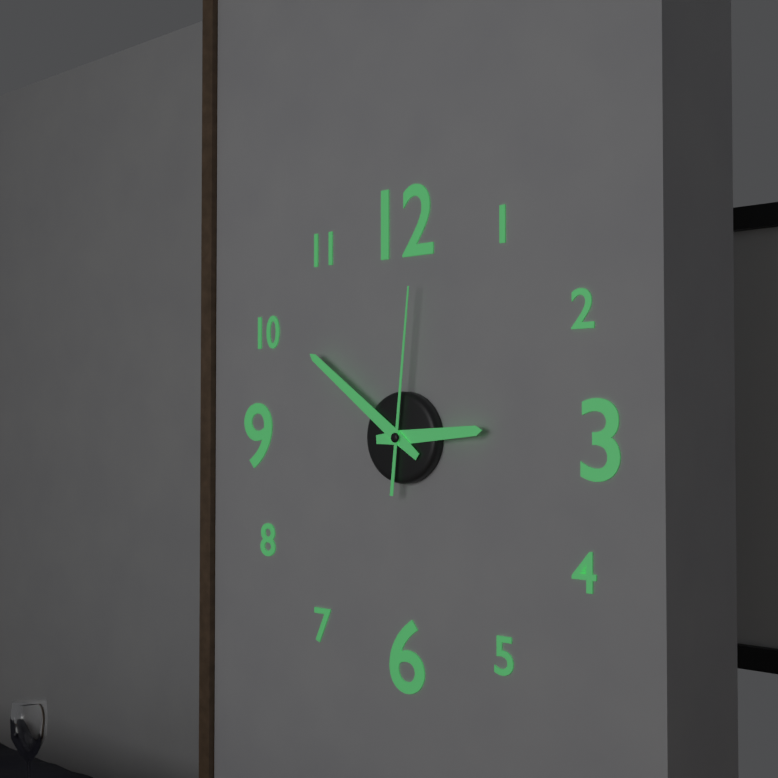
h=2 m=51 s=1
